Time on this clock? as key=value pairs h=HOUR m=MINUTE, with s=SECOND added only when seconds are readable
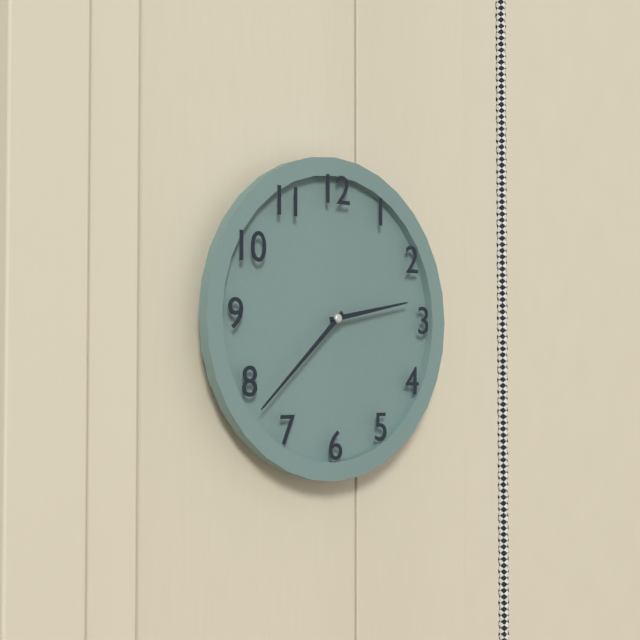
h=2 m=38
